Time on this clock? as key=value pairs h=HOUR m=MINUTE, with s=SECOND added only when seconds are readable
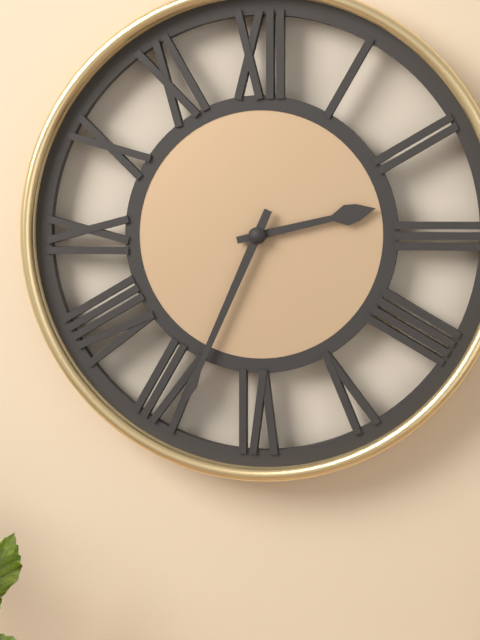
h=2 m=34
